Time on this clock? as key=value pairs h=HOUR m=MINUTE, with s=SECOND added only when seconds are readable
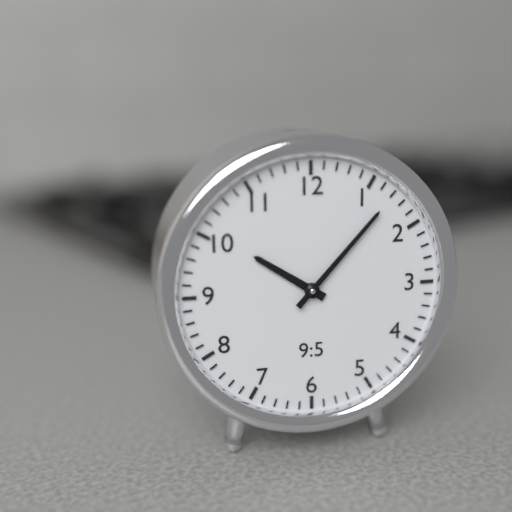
h=10 m=7
